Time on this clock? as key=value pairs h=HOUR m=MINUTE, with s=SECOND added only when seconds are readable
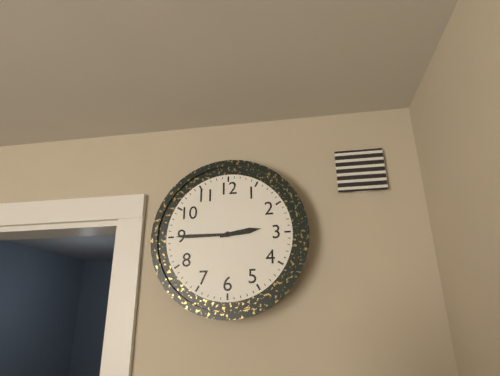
h=2 m=45
